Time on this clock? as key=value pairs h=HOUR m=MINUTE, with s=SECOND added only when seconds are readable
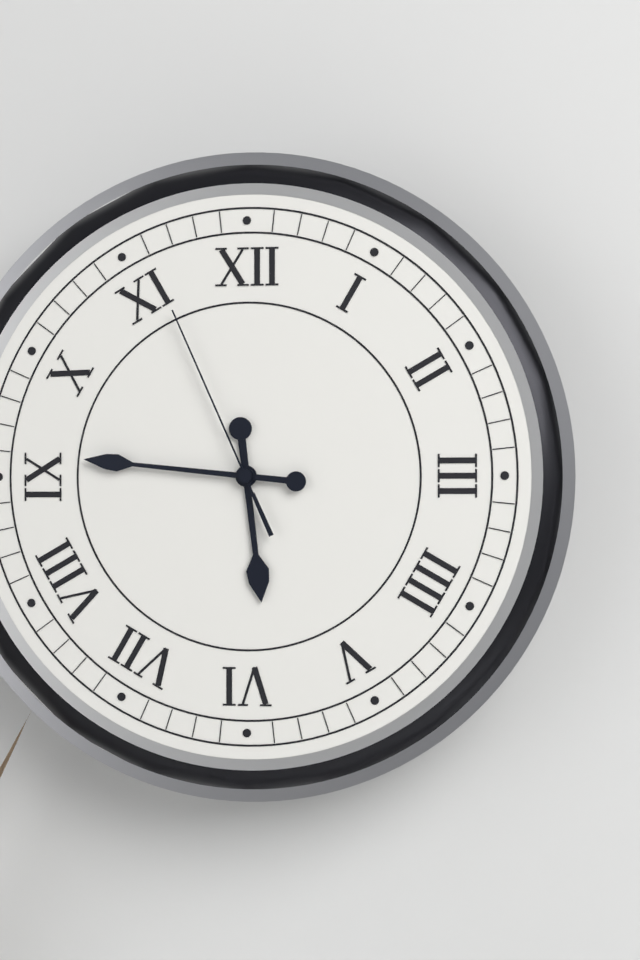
h=5 m=46 s=56
